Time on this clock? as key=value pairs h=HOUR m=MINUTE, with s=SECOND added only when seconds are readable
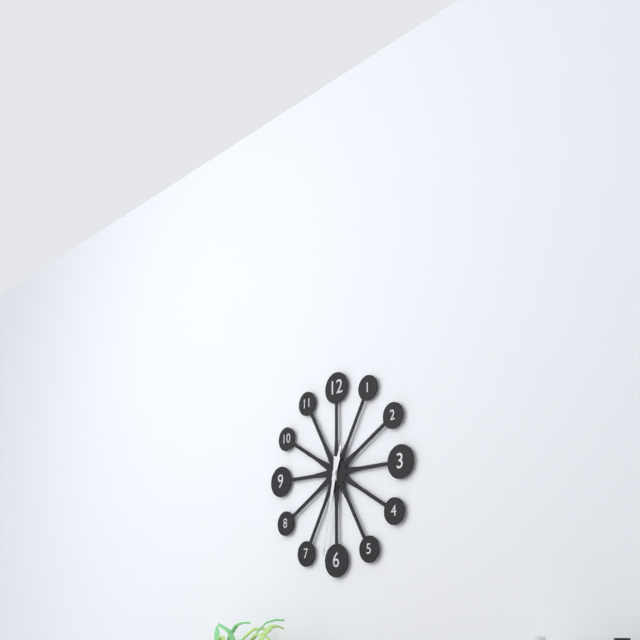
h=12 m=32
